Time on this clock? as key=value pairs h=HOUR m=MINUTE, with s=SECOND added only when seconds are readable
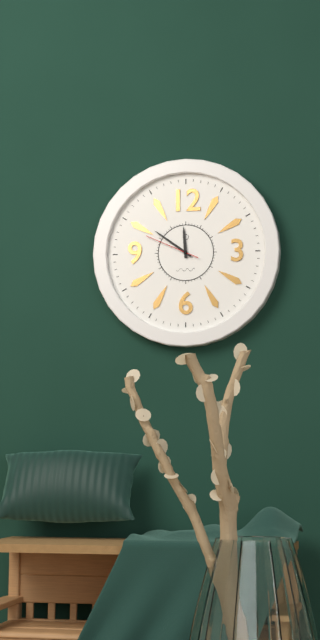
h=11 m=51 s=49
